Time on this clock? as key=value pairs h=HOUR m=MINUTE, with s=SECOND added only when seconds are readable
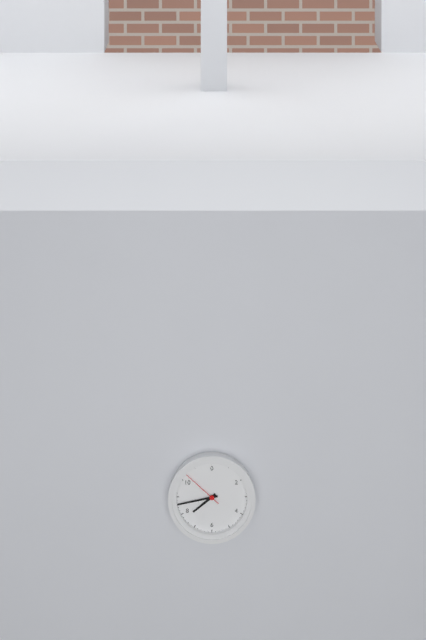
h=7 m=43
